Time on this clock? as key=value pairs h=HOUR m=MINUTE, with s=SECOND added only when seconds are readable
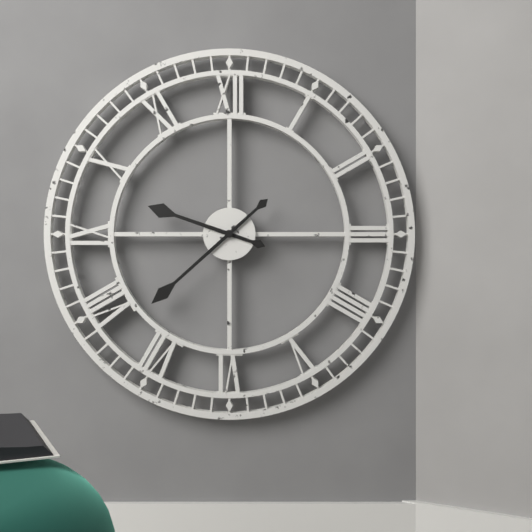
h=9 m=38
